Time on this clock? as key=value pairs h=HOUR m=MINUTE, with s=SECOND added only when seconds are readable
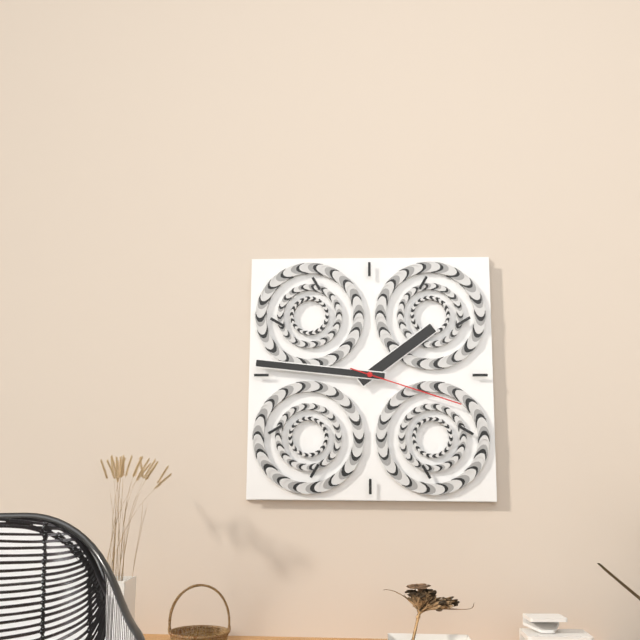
h=1 m=46 s=18
